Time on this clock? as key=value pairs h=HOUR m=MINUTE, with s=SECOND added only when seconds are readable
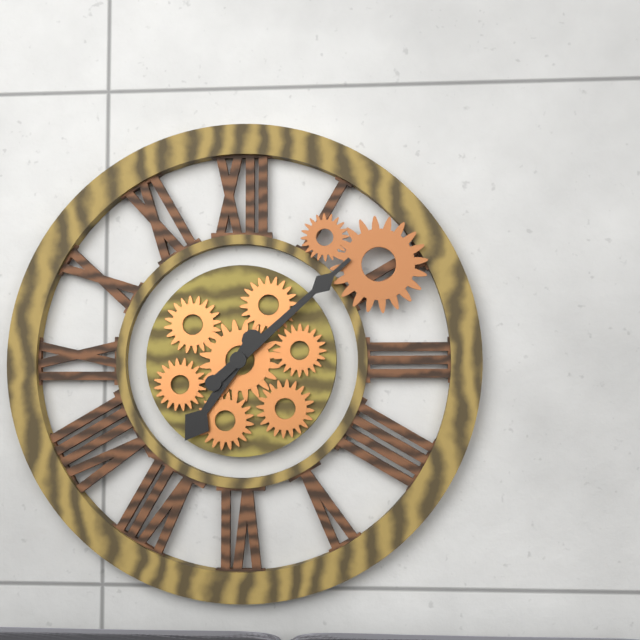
h=7 m=8
